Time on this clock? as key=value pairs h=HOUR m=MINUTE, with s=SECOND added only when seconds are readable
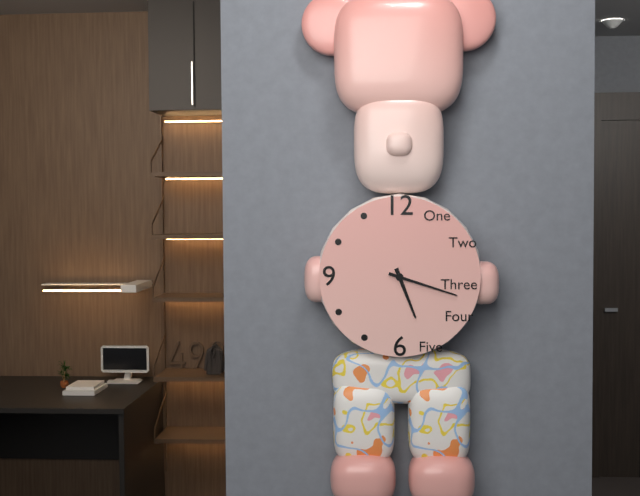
h=5 m=18
